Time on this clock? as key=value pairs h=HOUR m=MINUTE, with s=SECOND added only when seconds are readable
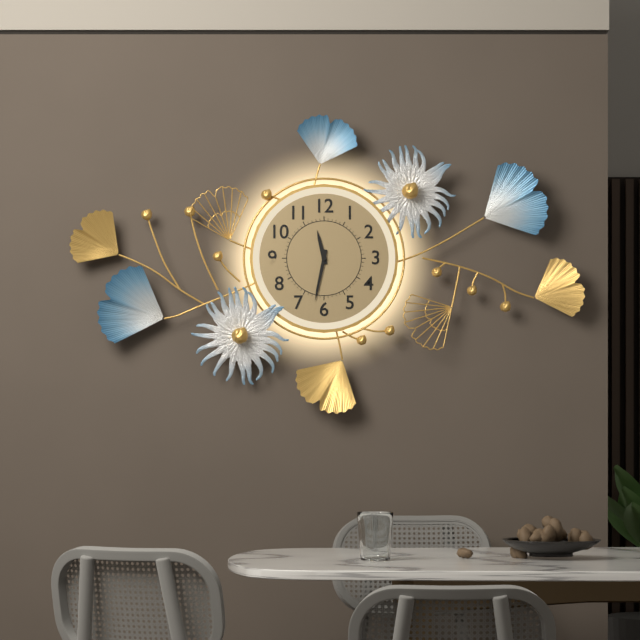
h=11 m=32
